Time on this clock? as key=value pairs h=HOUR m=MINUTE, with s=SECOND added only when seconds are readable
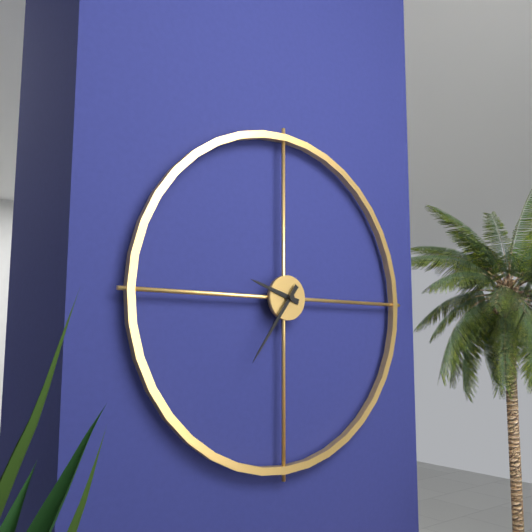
h=9 m=36
